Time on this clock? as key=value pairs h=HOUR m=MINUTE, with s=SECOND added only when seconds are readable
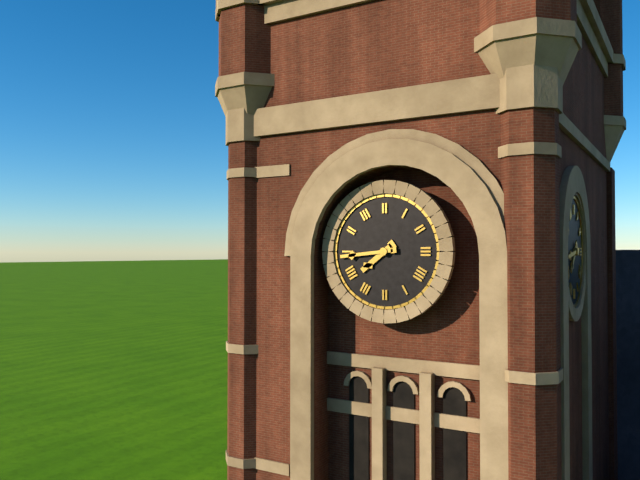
h=7 m=44
